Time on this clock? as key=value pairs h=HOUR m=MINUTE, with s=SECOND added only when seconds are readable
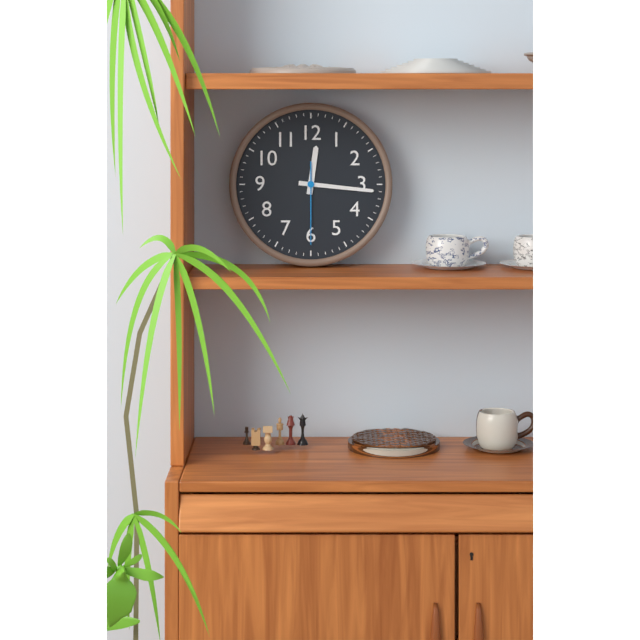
h=12 m=16 s=30
